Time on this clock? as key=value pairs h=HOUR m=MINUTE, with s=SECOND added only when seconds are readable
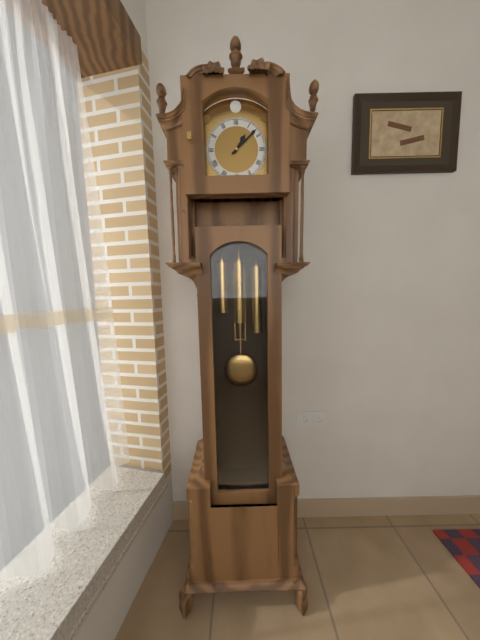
h=1 m=8
